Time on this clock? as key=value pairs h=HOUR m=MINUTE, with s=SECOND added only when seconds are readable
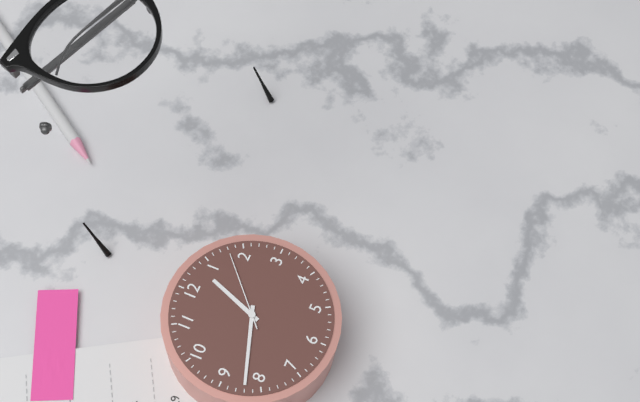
h=12 m=42 s=8
